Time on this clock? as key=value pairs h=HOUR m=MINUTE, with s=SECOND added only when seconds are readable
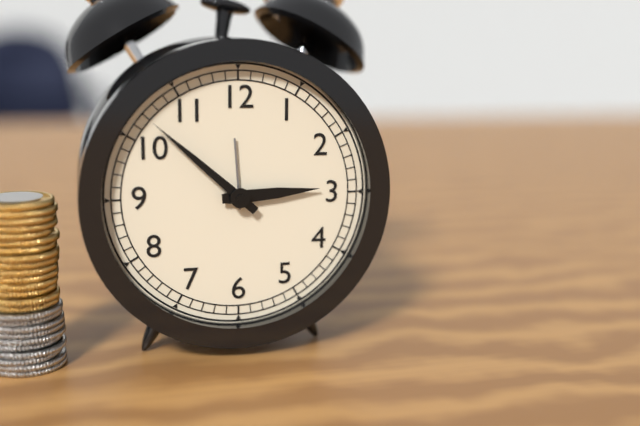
h=2 m=52
